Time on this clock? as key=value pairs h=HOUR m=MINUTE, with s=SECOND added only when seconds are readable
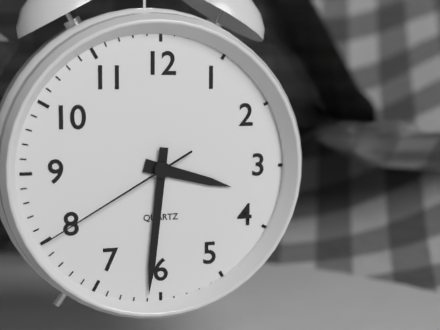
h=3 m=31 s=40
